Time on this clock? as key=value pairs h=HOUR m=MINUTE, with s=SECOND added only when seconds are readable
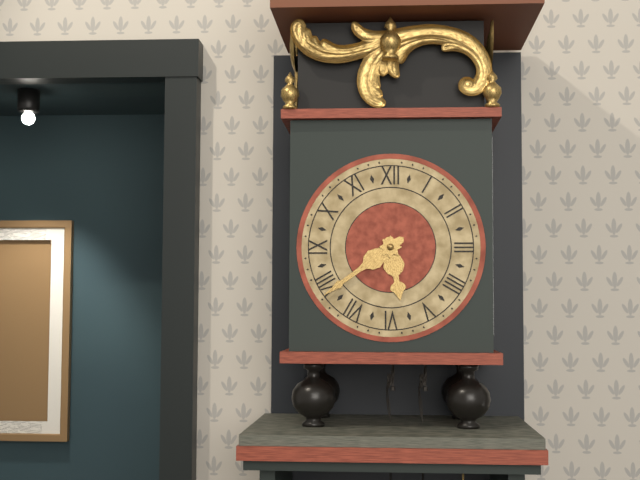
h=5 m=39
